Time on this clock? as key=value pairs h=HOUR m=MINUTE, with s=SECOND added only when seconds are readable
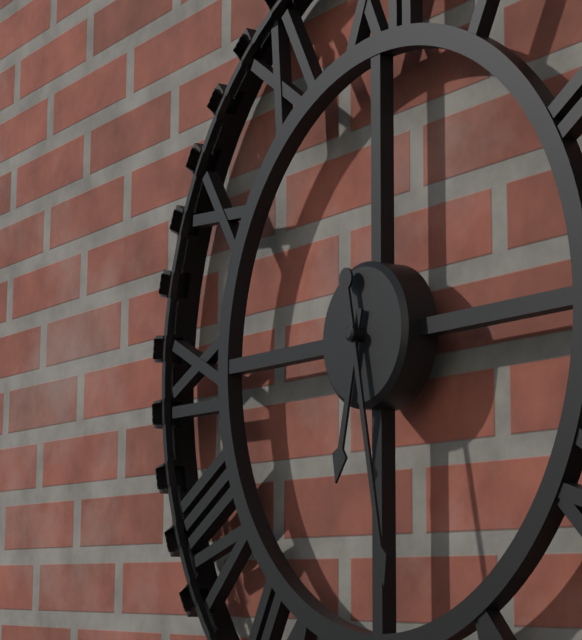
h=6 m=28
